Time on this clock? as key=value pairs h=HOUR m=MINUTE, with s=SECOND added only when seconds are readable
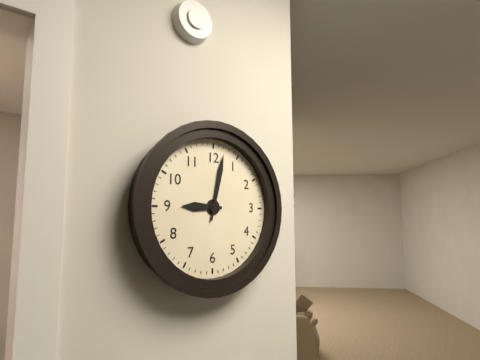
h=9 m=2
